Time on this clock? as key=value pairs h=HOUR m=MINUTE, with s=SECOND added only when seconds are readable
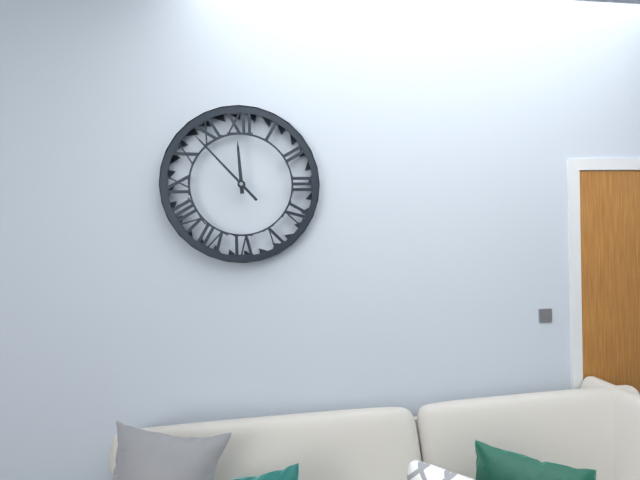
h=11 m=53
